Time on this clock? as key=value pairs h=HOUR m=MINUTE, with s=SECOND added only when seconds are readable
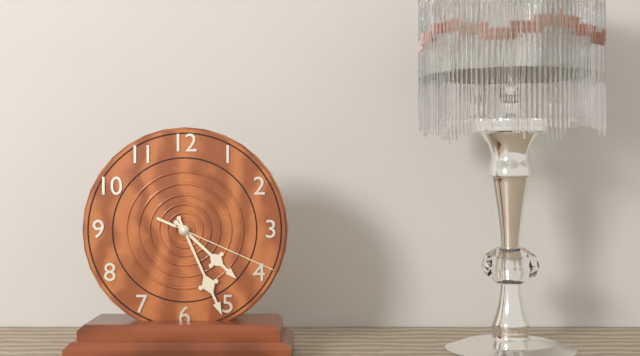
h=4 m=26 s=19
